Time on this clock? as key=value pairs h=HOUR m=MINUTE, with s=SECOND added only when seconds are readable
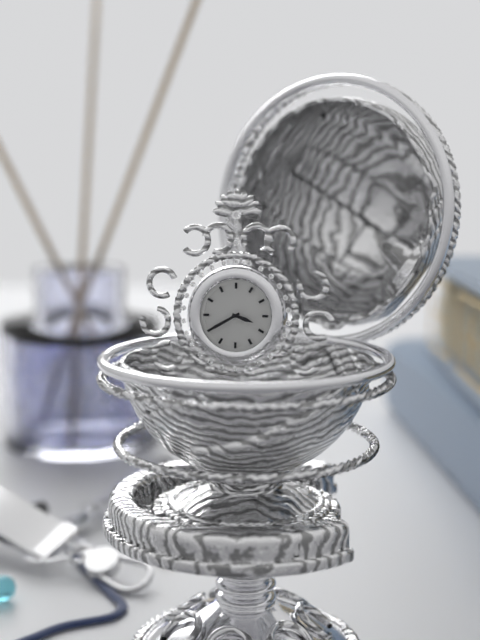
h=3 m=40
